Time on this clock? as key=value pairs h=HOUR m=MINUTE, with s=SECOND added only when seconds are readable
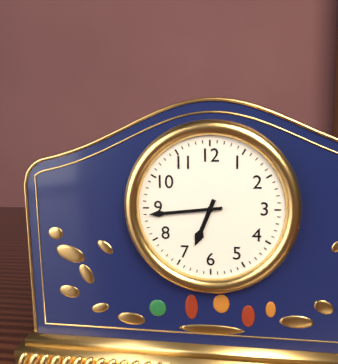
h=6 m=44
